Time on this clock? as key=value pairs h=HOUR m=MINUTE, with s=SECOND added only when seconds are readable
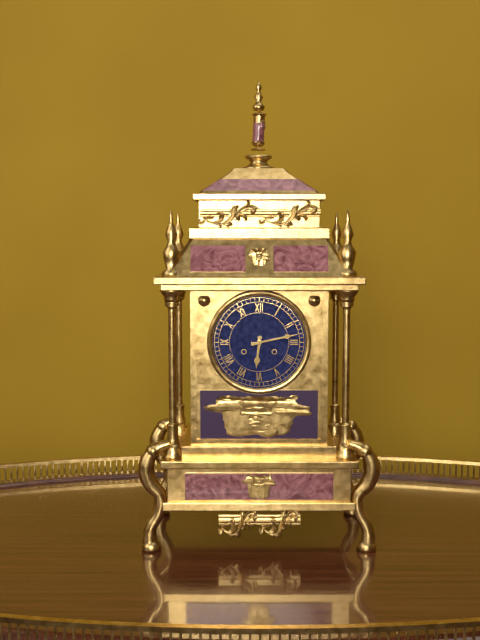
h=6 m=13
